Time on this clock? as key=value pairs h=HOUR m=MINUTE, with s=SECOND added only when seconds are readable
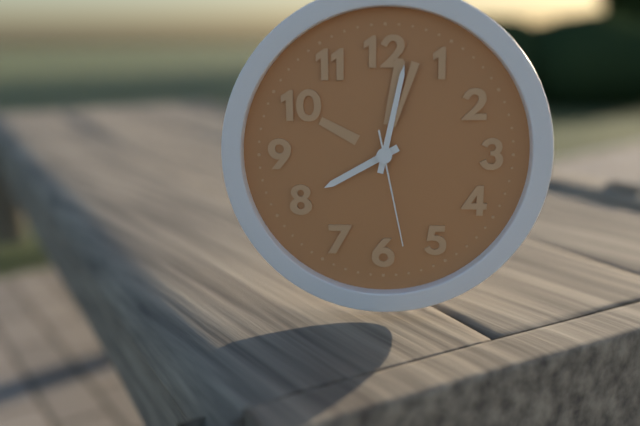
h=8 m=2 s=28
